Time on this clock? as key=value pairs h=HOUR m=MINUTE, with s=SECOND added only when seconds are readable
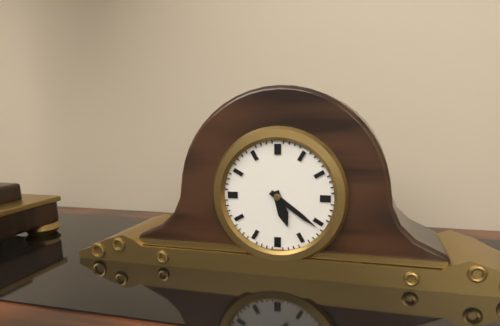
h=5 m=21
